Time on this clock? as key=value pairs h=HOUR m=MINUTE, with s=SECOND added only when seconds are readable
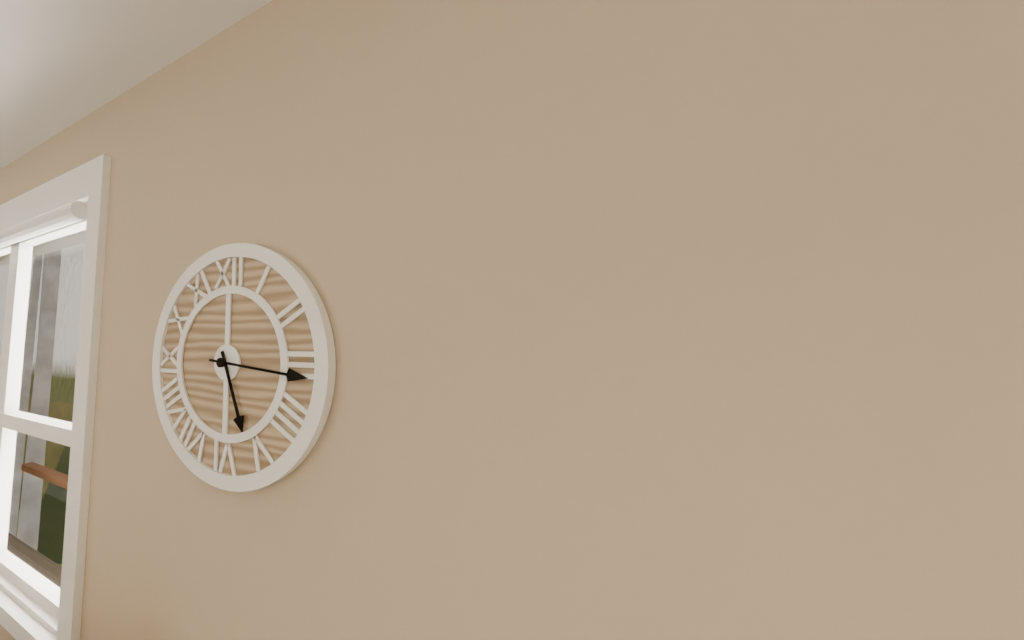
h=5 m=16
